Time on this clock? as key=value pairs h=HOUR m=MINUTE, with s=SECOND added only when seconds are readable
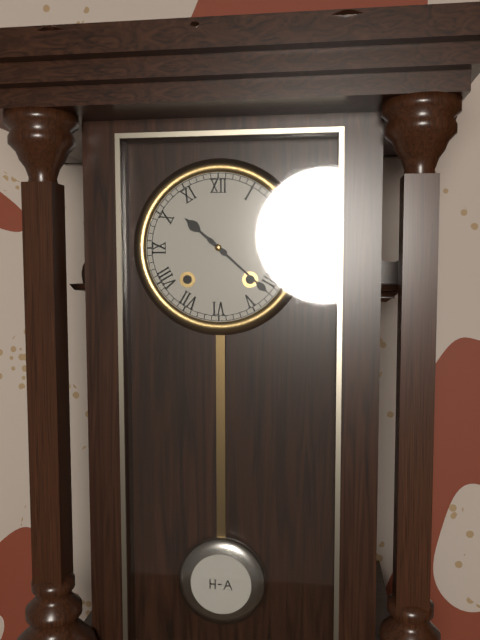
h=10 m=22
